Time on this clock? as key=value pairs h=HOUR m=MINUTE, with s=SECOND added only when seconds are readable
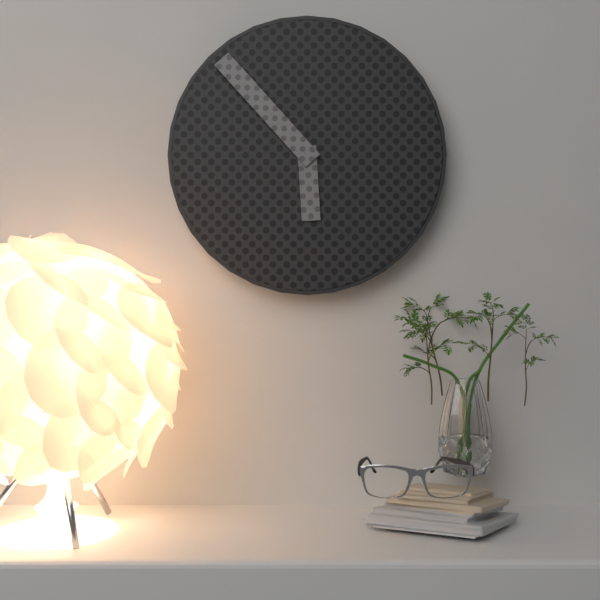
h=5 m=53
